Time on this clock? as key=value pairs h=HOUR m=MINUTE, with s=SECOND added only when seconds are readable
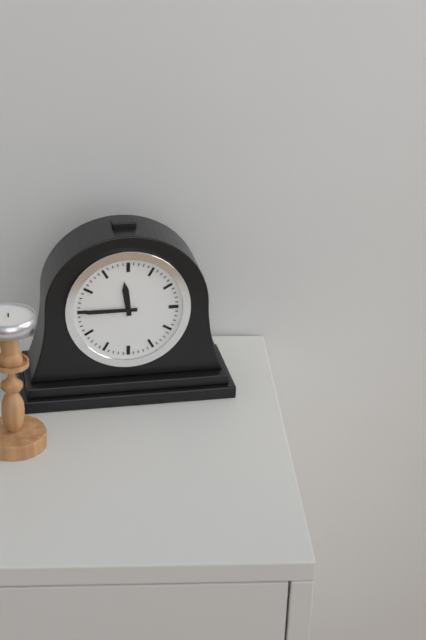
h=11 m=45
